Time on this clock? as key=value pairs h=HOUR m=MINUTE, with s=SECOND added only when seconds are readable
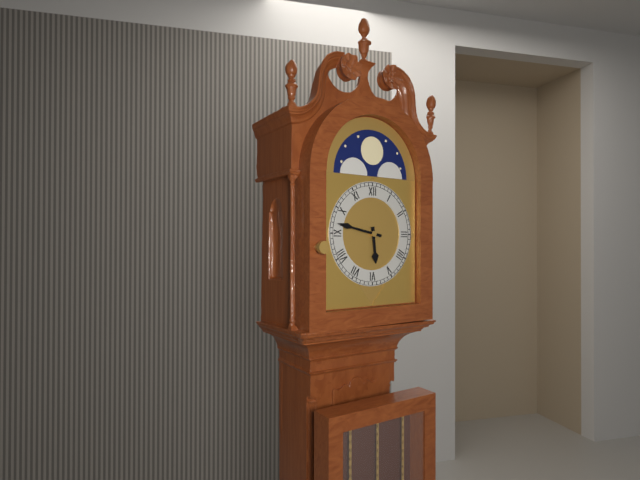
h=5 m=47
